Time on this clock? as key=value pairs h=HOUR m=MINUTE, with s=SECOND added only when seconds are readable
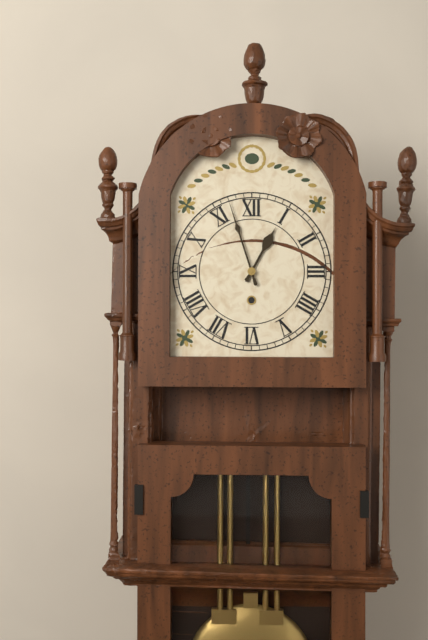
h=12 m=57
